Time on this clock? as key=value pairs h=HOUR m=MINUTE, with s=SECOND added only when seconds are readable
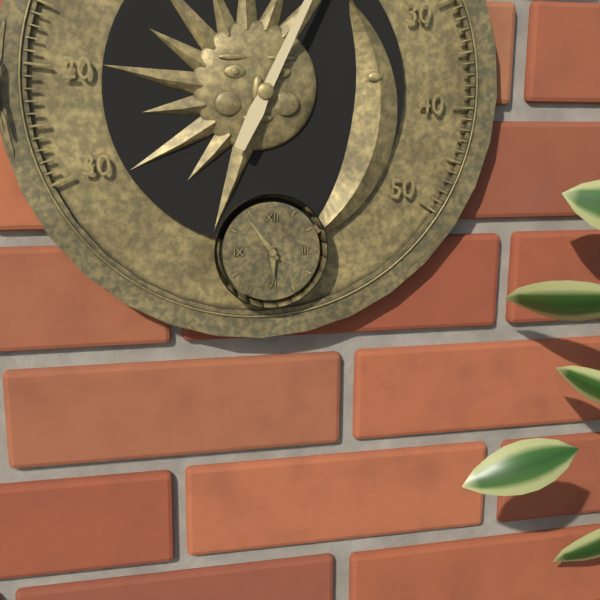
h=5 m=54
